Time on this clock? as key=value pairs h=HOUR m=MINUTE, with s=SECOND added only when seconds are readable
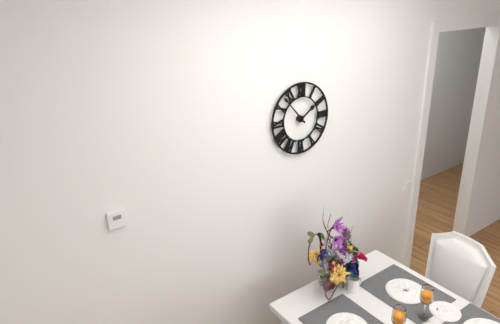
h=1 m=53
